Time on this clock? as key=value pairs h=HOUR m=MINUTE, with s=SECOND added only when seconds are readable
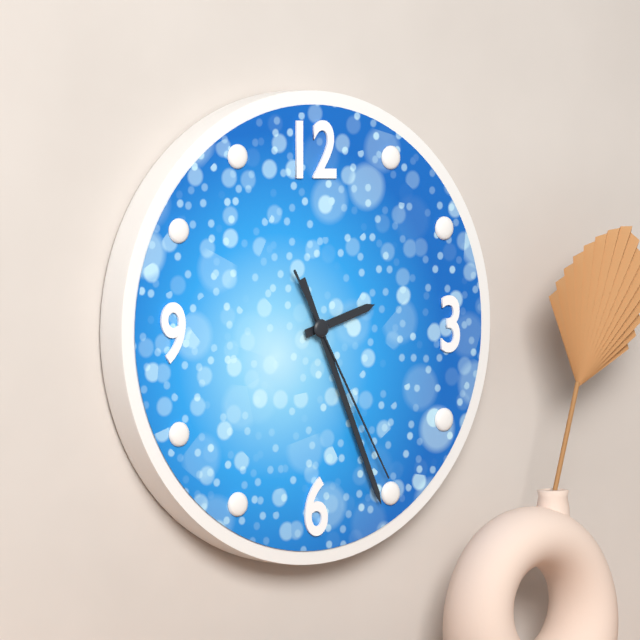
h=2 m=26 s=25
